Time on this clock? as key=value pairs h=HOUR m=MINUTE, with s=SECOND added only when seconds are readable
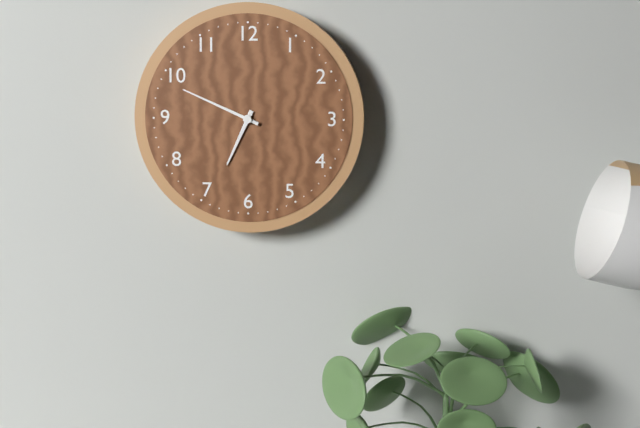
h=6 m=49
